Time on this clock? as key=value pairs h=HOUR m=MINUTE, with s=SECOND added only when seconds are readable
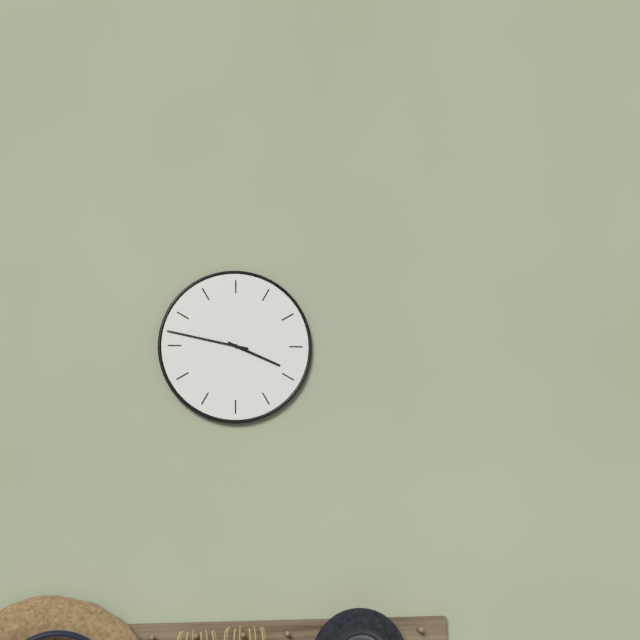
h=3 m=47
